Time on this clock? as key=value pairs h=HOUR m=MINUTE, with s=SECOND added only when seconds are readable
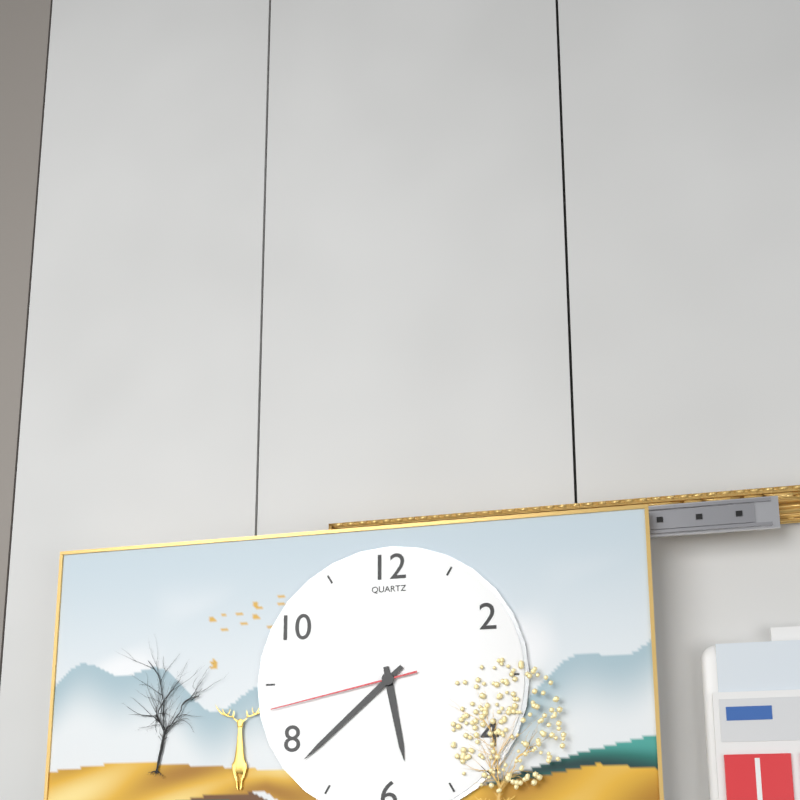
h=5 m=38 s=43
